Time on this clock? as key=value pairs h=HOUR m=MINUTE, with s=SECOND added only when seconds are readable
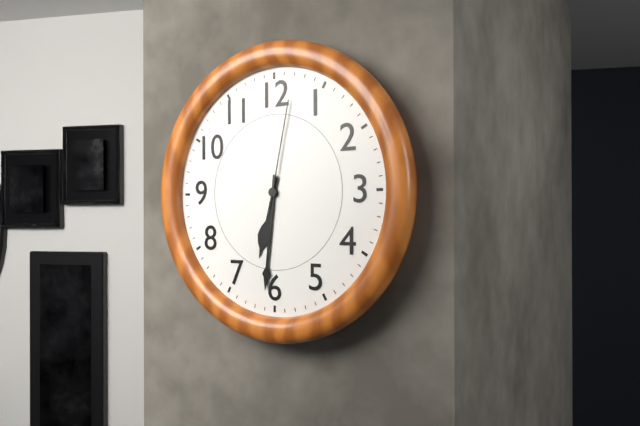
h=6 m=31 s=2
